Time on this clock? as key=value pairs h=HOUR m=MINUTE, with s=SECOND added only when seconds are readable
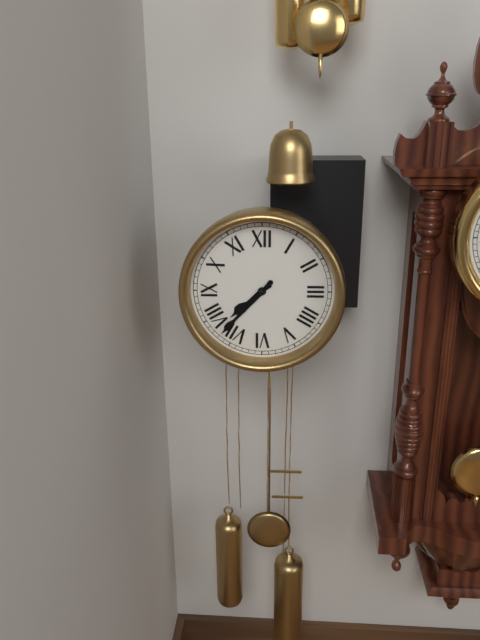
h=7 m=37
